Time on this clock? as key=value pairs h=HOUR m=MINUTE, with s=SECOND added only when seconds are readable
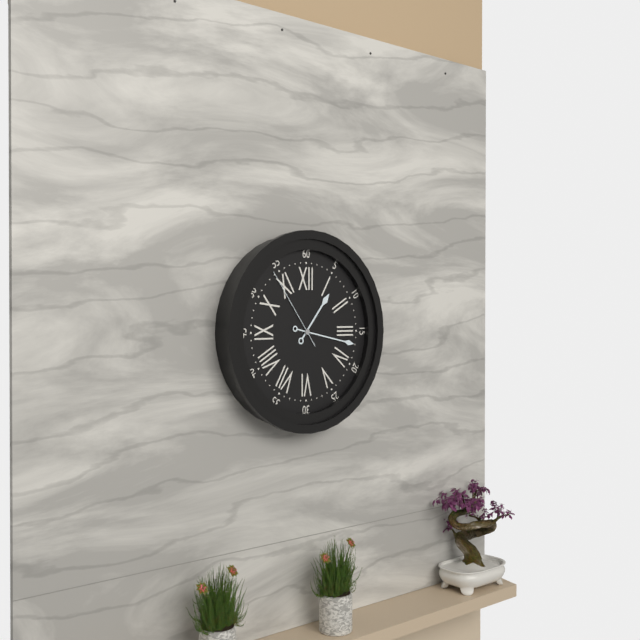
h=1 m=17 s=54
